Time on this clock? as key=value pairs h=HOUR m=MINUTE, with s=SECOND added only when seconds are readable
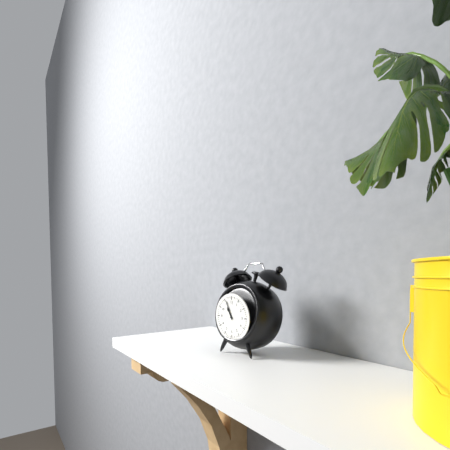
h=10 m=56
